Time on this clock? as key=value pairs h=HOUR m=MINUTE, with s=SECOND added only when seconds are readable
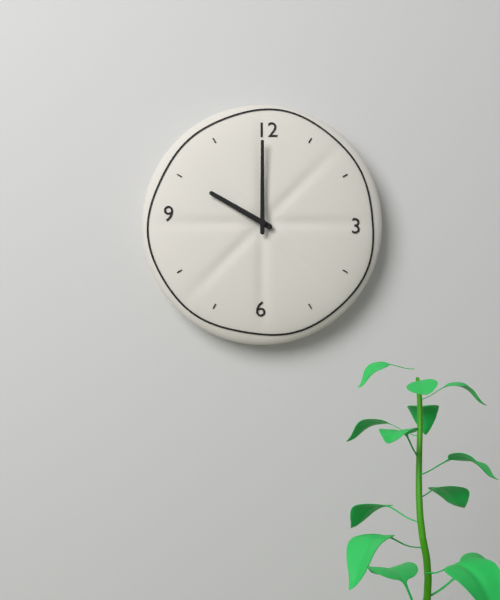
h=10 m=0
